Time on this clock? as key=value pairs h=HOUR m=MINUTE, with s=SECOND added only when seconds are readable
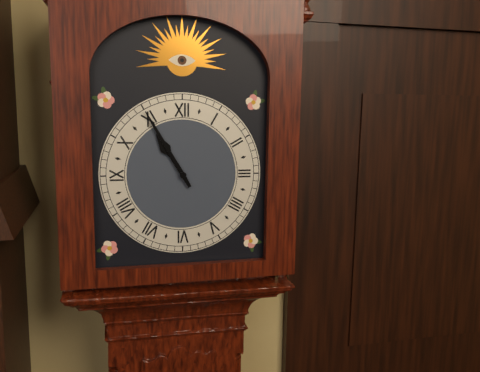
h=10 m=55
